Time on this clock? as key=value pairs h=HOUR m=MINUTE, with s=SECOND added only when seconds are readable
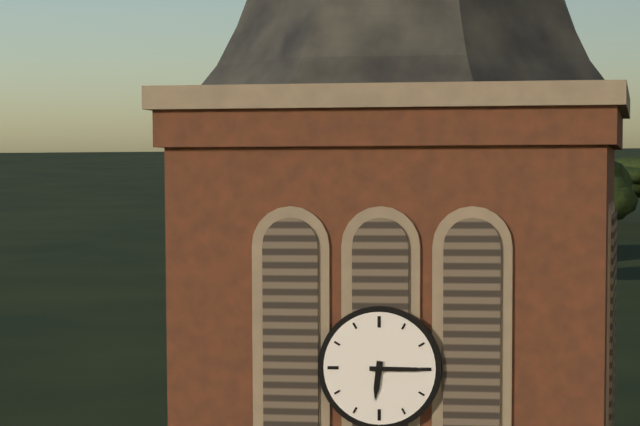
h=6 m=15
